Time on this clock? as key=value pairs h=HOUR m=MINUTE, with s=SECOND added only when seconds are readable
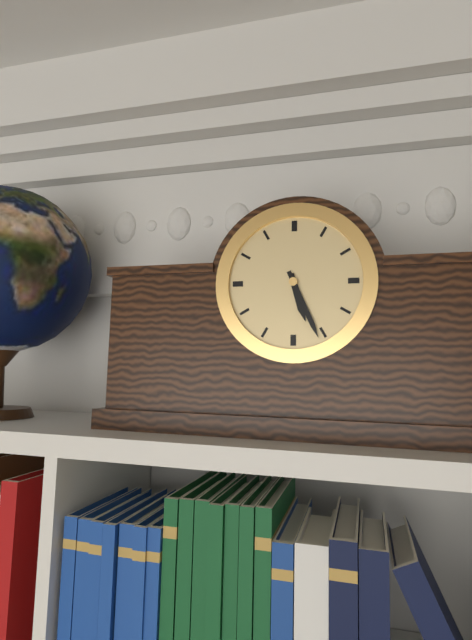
h=5 m=26
